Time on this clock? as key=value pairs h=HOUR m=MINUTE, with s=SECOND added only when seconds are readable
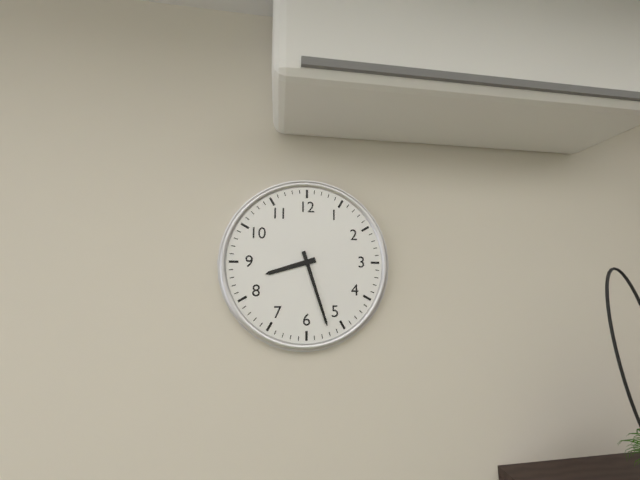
h=8 m=27
